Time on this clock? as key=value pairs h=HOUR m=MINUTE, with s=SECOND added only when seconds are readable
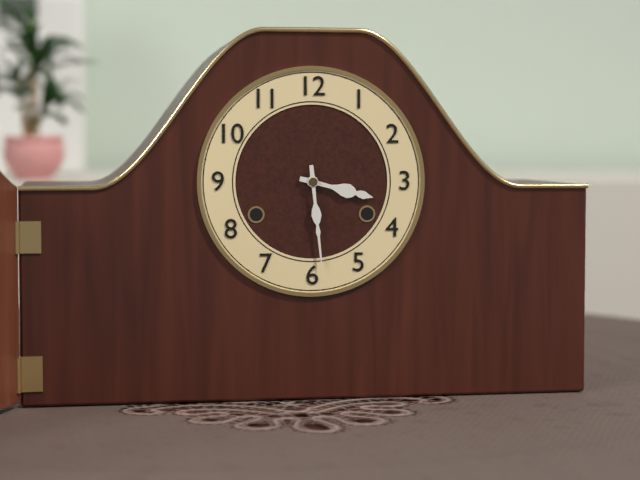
h=3 m=29
